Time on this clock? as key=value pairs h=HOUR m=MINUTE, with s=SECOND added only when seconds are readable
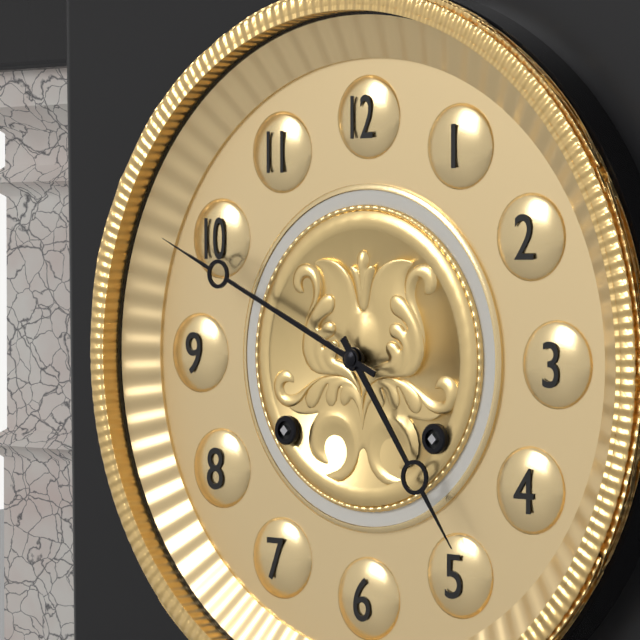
h=4 m=49
